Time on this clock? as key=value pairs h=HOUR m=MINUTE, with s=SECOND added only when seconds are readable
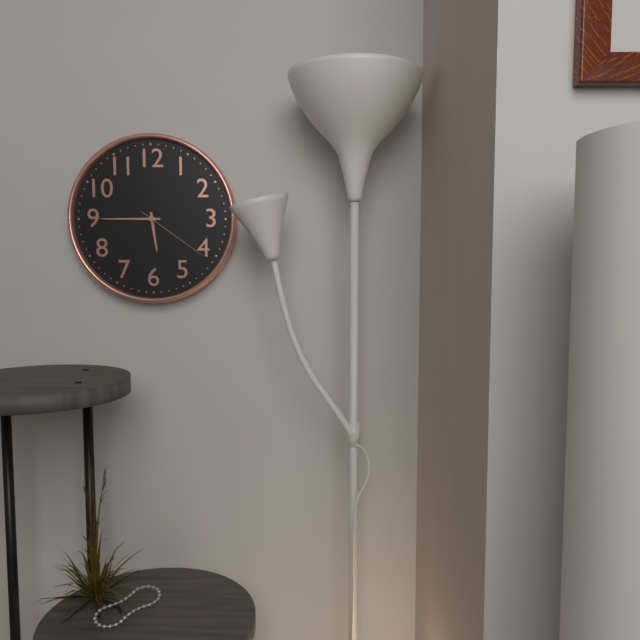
h=5 m=45 s=21
